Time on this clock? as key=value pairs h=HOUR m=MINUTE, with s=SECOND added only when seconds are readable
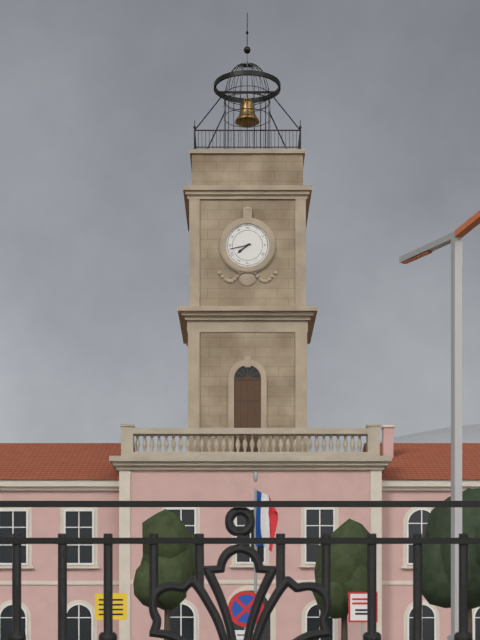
h=7 m=43
